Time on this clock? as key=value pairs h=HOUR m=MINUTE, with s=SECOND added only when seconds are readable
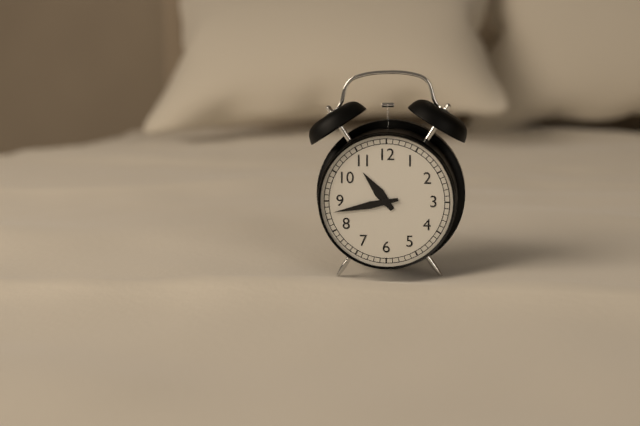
h=10 m=43
